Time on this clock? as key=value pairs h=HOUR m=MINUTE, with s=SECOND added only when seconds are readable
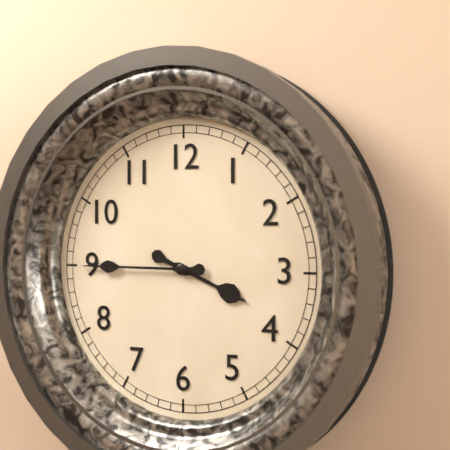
h=3 m=45
